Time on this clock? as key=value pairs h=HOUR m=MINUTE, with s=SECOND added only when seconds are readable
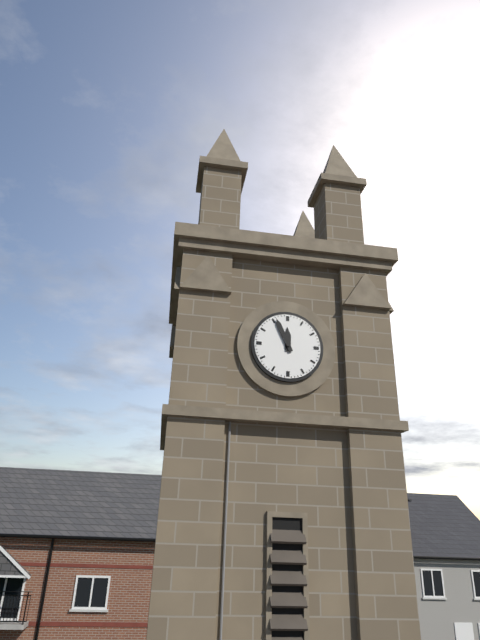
h=11 m=56
